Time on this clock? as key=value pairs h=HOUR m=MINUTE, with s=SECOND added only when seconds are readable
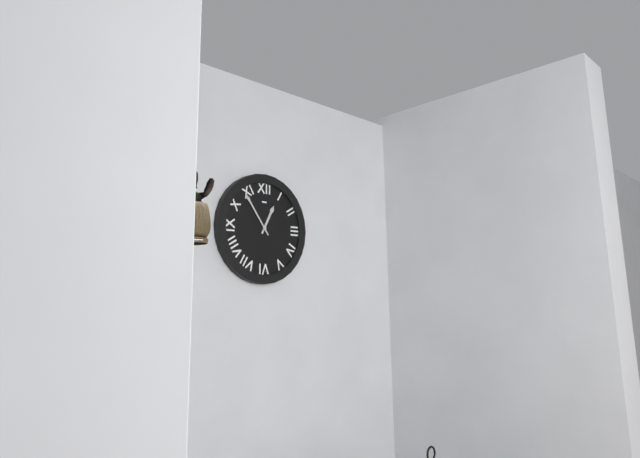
h=12 m=54
